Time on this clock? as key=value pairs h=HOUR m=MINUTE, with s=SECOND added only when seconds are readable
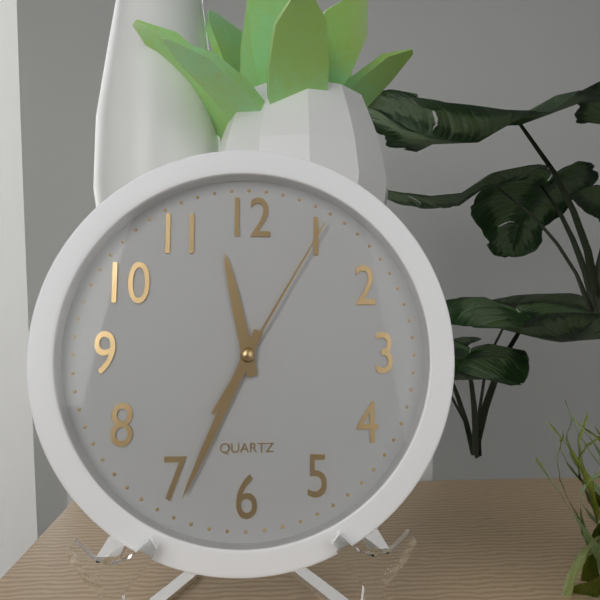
h=11 m=34 s=5
